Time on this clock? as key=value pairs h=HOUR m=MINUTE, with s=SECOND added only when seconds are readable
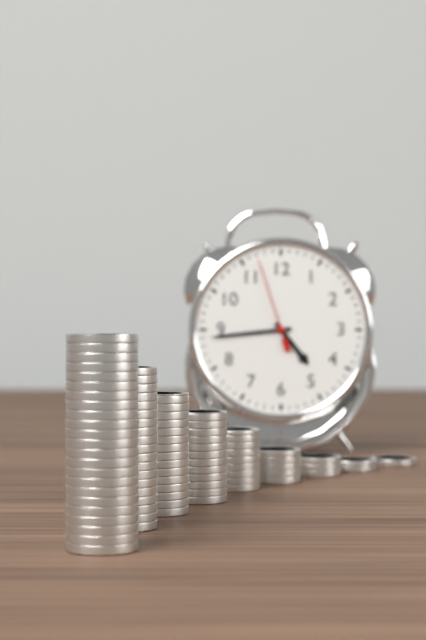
h=4 m=44 s=57
